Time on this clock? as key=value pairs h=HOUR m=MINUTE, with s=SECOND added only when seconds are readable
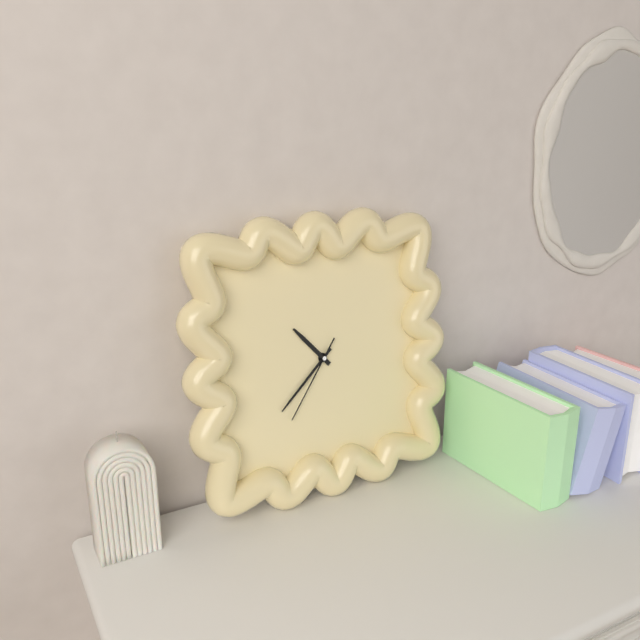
h=10 m=38 s=36
